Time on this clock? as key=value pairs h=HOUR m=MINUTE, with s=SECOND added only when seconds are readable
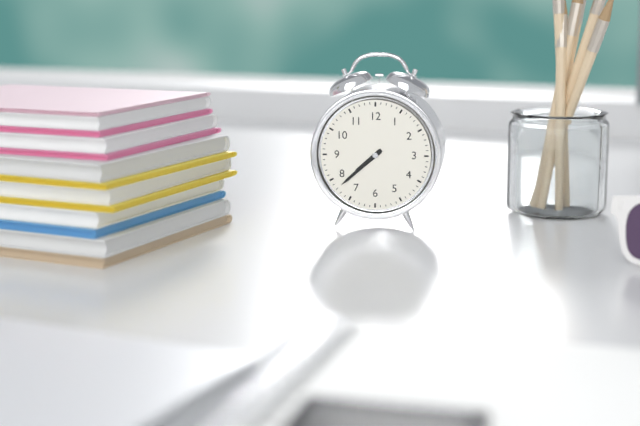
h=7 m=38
